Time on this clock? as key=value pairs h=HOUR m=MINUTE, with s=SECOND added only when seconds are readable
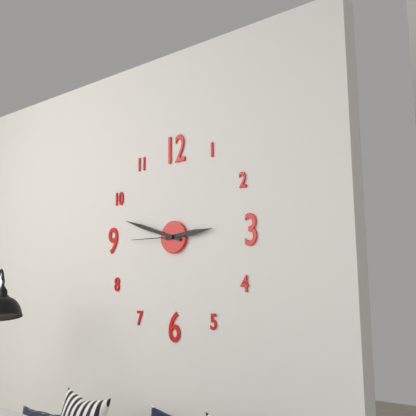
h=2 m=48
